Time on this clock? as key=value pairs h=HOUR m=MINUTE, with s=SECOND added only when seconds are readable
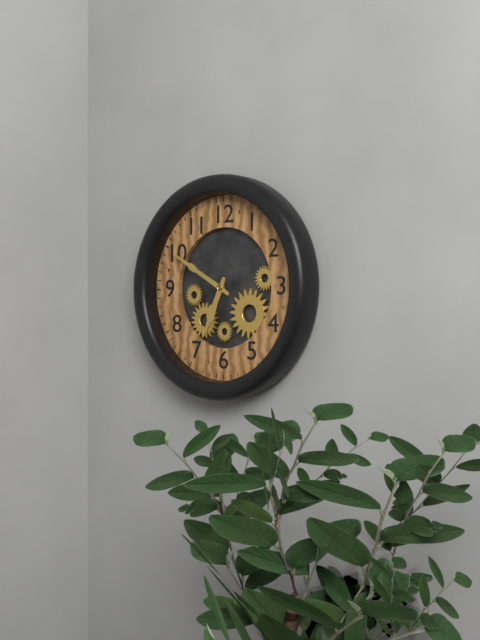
h=6 m=50
